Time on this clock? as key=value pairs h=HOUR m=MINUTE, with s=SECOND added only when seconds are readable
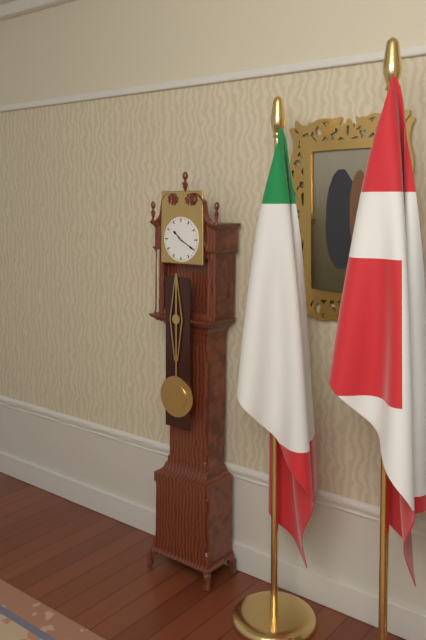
h=10 m=20
